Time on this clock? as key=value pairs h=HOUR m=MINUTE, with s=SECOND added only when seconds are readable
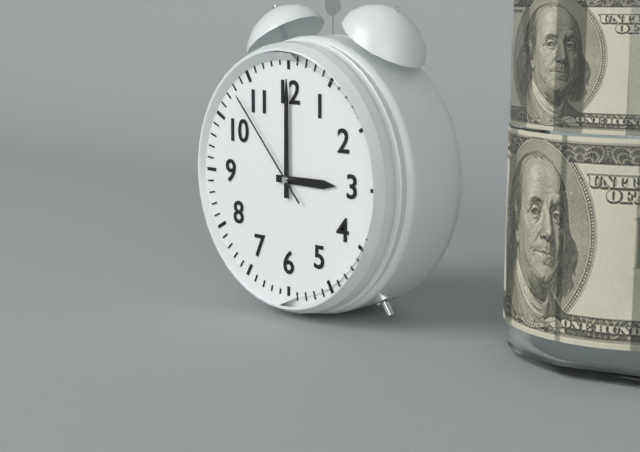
h=3 m=0 s=53
